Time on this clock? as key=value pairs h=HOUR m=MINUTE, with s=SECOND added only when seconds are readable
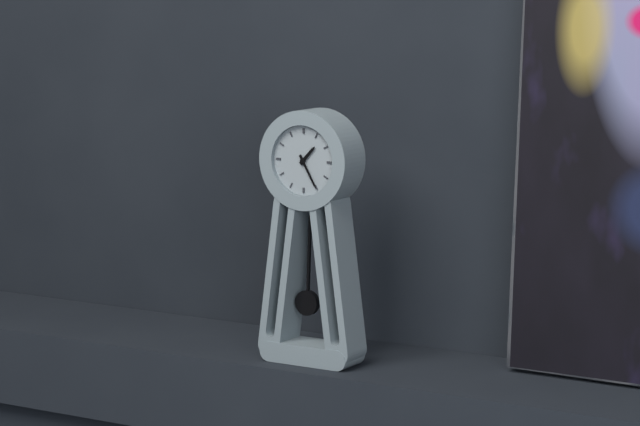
h=1 m=25
